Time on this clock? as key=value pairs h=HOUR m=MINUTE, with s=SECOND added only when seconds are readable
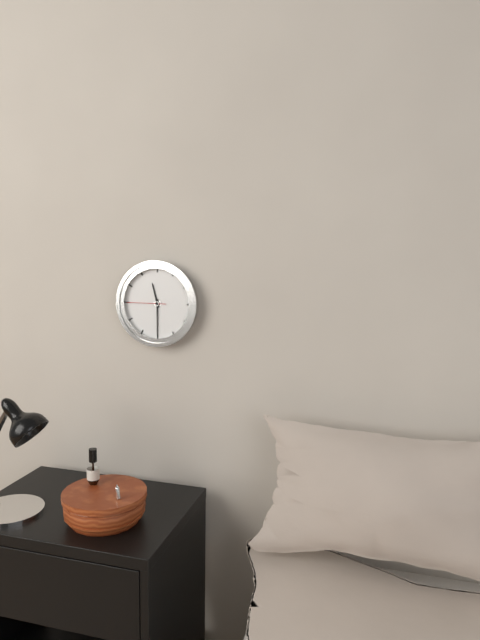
h=11 m=30
